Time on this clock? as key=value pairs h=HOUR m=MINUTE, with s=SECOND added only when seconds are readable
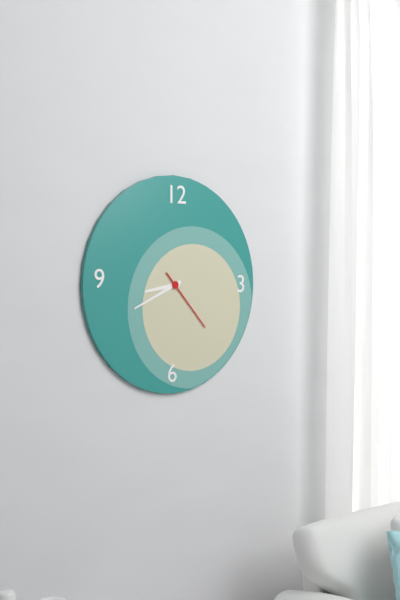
h=8 m=41 s=23
